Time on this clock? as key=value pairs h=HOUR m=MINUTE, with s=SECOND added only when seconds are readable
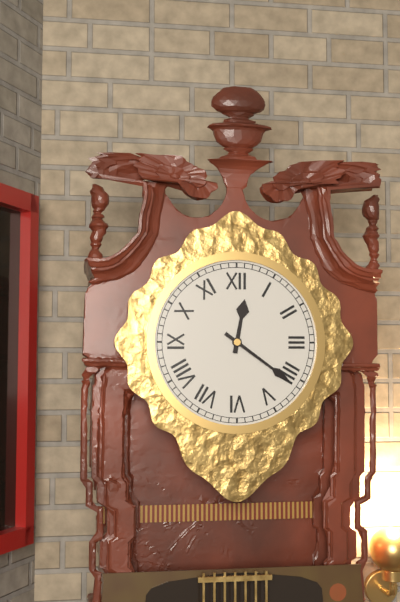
h=12 m=21
